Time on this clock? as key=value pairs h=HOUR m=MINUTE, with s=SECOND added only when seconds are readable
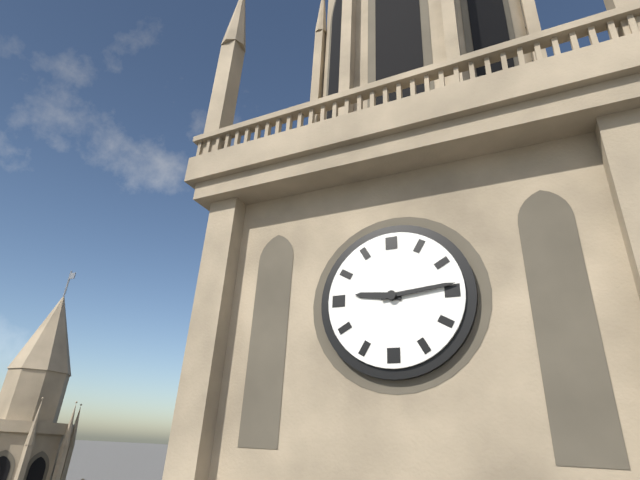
h=9 m=14
